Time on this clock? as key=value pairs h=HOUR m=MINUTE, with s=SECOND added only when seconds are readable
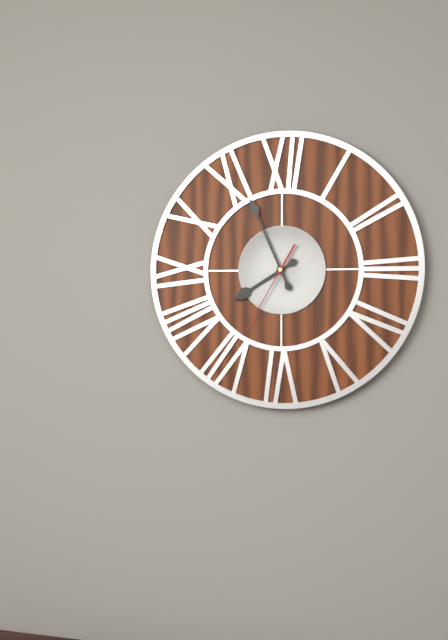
h=7 m=56 s=35
